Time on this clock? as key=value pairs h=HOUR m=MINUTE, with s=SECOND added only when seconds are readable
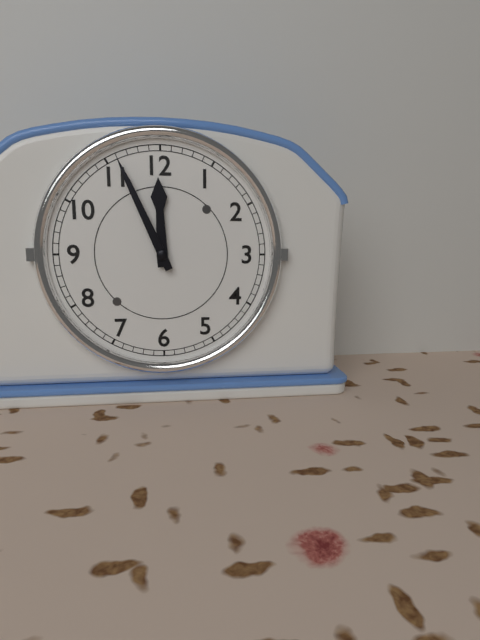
h=11 m=56
